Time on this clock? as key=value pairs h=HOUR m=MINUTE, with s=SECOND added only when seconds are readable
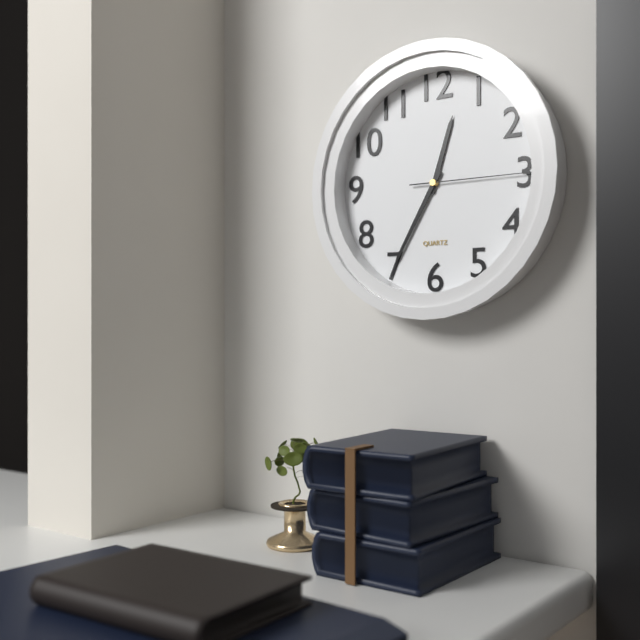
h=12 m=35 s=15
